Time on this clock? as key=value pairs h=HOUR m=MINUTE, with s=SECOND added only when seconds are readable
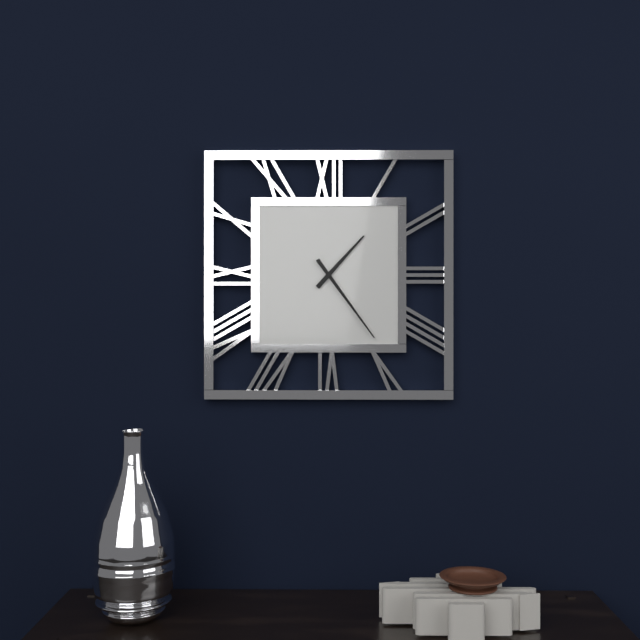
h=1 m=24
